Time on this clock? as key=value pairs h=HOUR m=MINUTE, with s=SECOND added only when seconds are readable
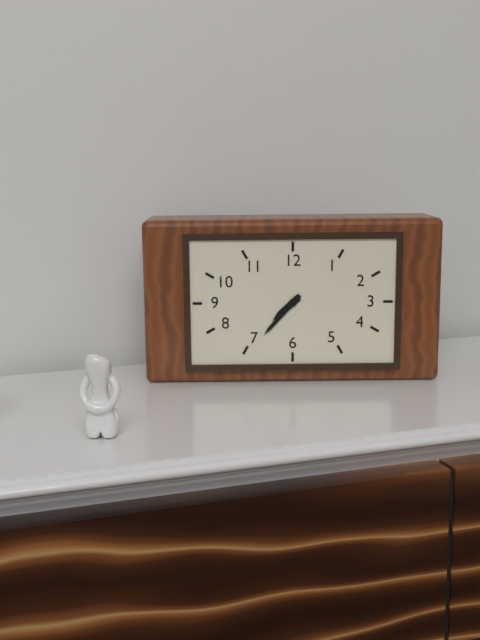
h=7 m=37
